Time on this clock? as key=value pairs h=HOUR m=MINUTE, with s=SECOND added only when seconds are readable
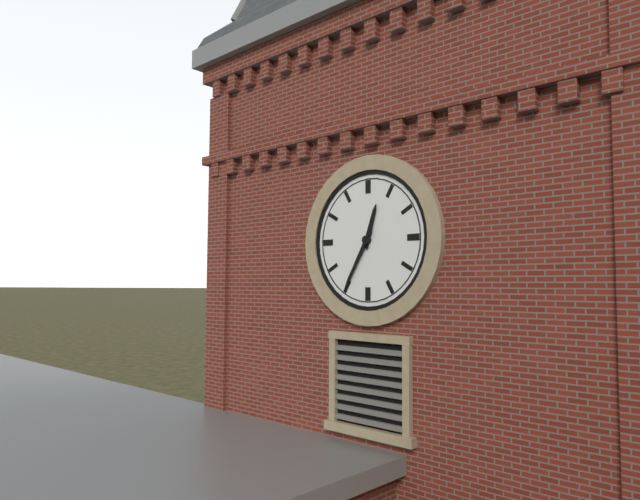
h=12 m=35
